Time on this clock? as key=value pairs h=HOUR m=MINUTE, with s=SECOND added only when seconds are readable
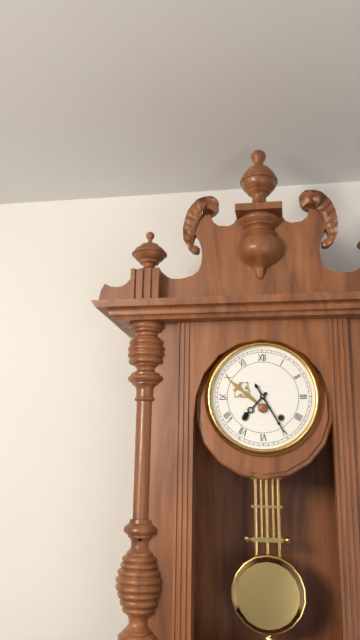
h=7 m=25
